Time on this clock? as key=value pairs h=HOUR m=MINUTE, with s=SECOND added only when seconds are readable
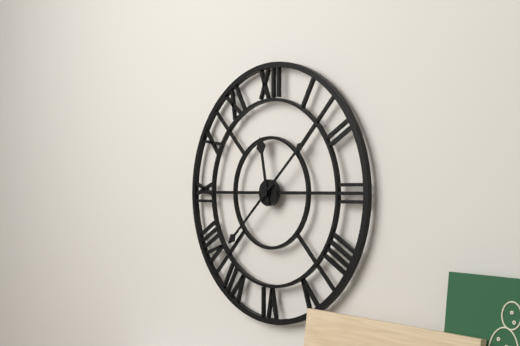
h=11 m=38
